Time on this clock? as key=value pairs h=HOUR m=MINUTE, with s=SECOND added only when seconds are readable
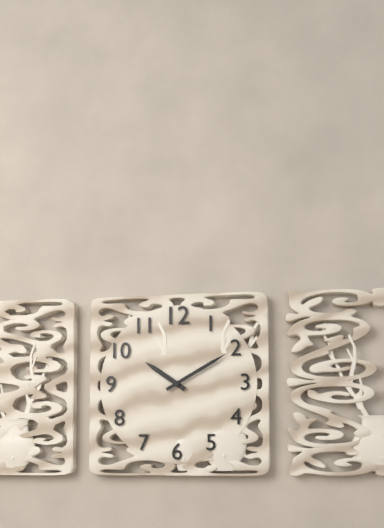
h=10 m=10
